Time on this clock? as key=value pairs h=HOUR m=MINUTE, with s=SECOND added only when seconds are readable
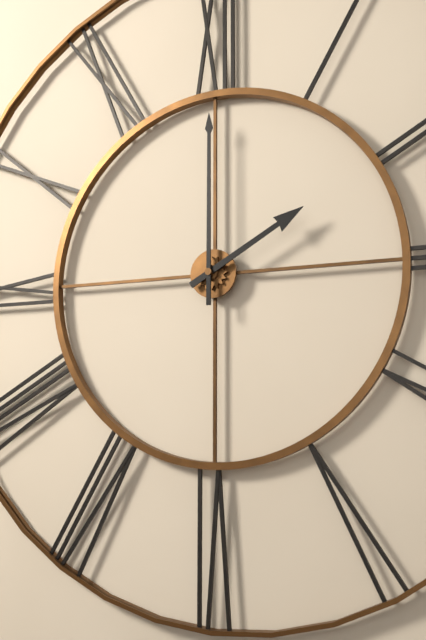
h=2 m=0
